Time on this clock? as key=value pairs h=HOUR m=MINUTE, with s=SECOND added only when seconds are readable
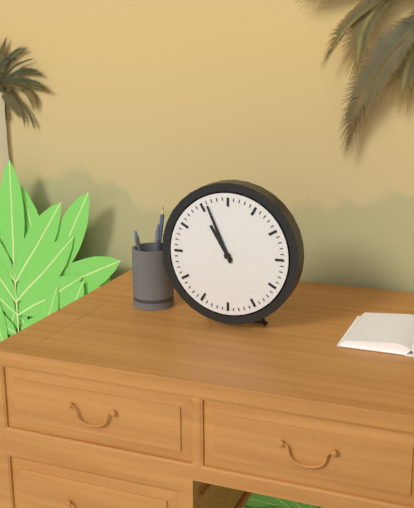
h=10 m=56
